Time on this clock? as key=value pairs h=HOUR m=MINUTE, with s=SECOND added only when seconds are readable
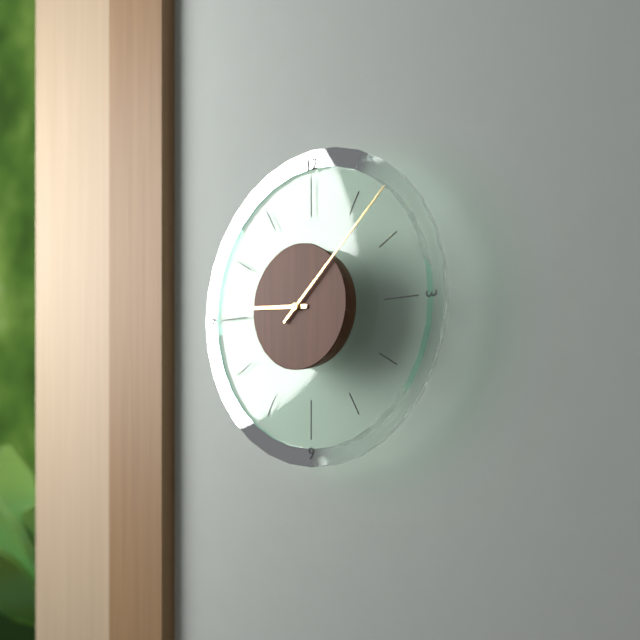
h=9 m=8
